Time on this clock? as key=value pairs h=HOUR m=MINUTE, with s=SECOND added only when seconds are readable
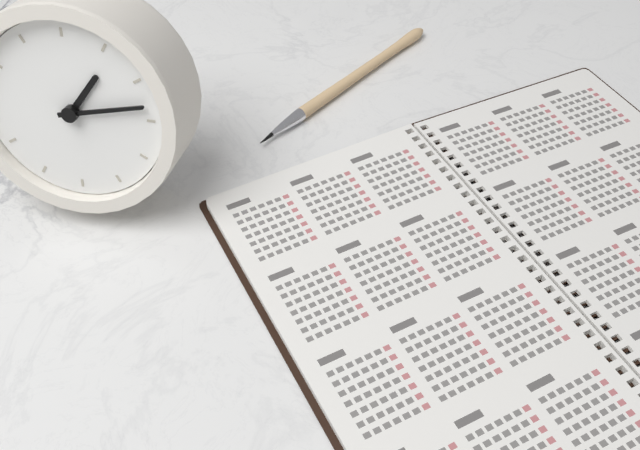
h=1 m=13
